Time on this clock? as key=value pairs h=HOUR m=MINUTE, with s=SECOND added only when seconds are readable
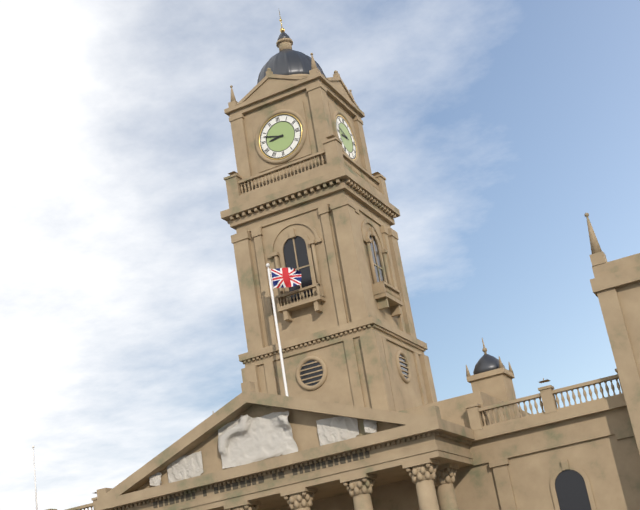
h=8 m=48
